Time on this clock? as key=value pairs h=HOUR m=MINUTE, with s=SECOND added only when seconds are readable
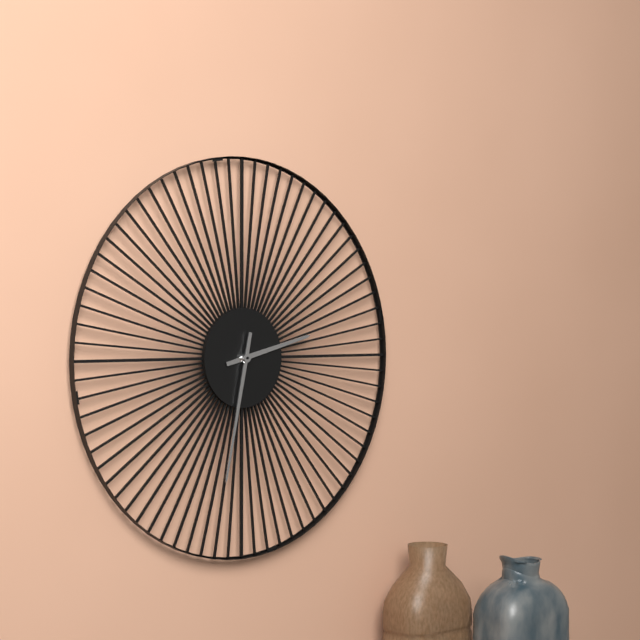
h=2 m=32
